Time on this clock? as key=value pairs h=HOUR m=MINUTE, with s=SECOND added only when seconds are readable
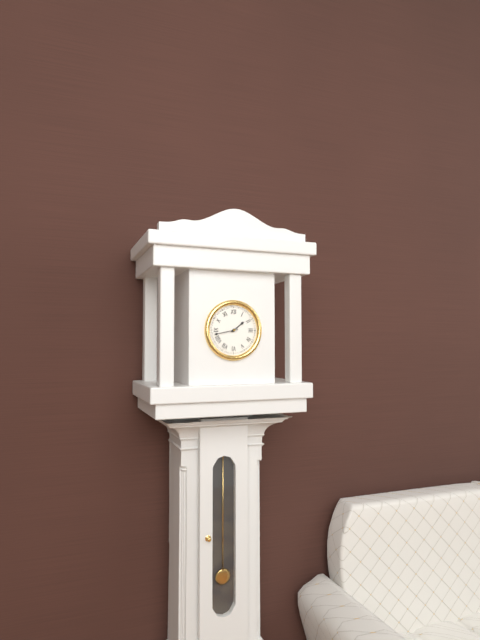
h=1 m=43
